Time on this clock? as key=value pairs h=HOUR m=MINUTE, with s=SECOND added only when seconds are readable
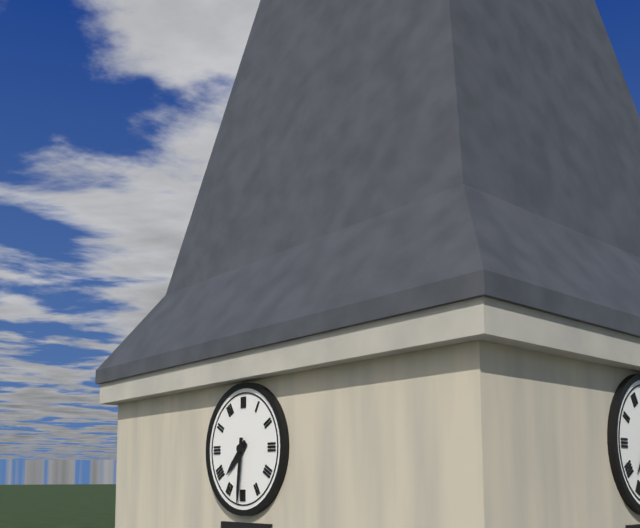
h=7 m=31
